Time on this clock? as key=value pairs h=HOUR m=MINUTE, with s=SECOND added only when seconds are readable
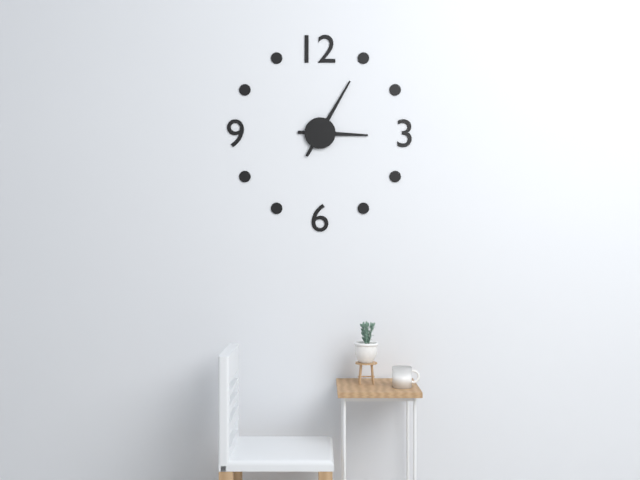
h=3 m=5
